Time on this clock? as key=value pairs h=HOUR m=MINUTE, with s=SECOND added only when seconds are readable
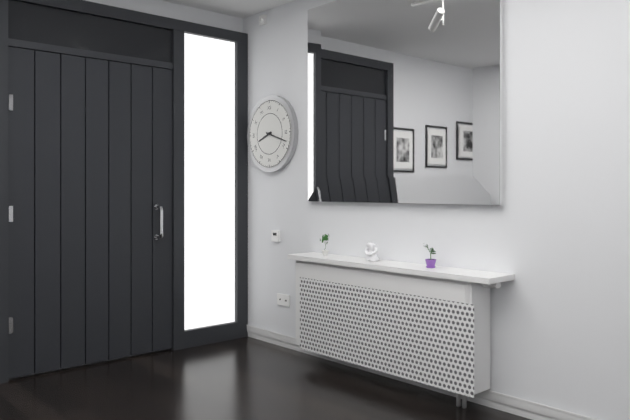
h=8 m=18
